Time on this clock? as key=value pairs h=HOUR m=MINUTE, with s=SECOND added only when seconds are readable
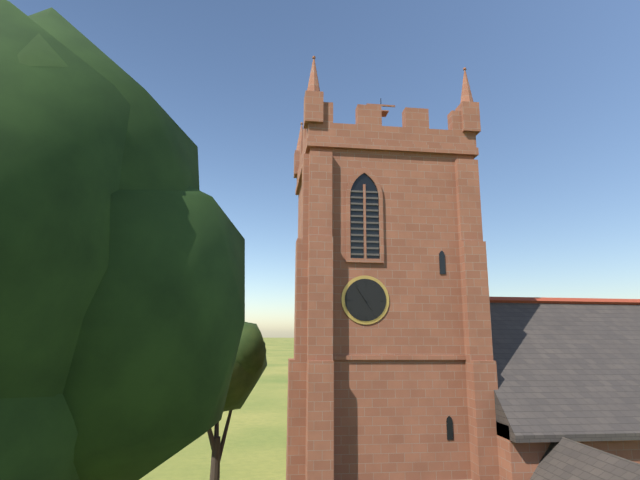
h=4 m=54
